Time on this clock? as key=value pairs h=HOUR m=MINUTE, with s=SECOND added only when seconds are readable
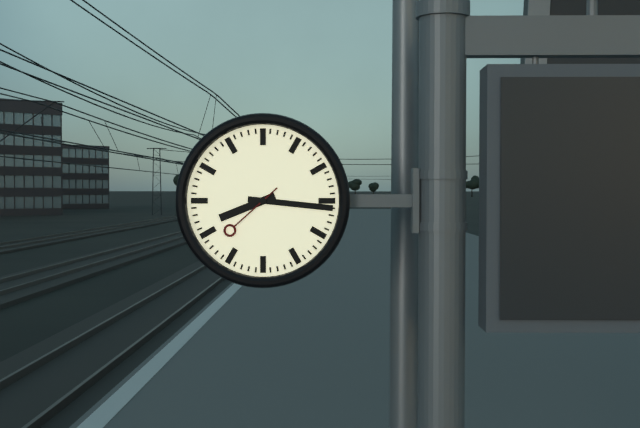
h=8 m=16 s=38
